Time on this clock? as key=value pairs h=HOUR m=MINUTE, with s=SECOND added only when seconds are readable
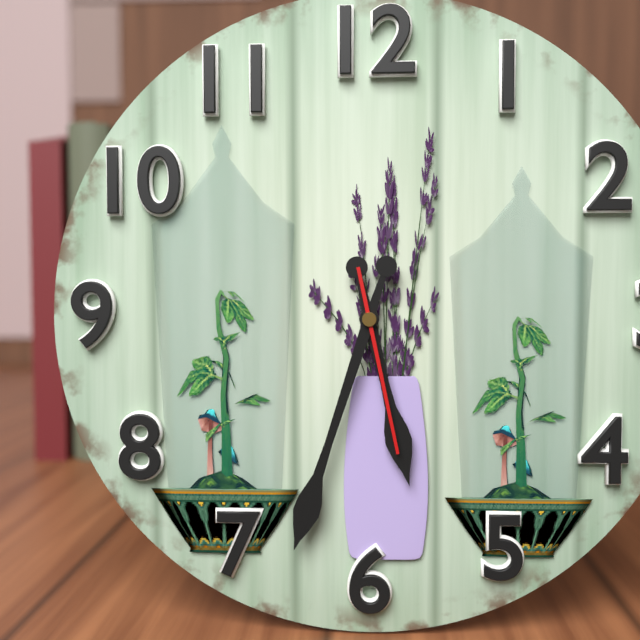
h=5 m=33 s=28
